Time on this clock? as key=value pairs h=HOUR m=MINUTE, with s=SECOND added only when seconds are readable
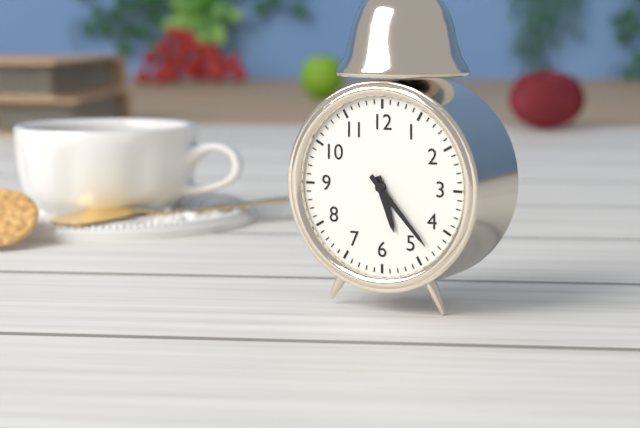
h=5 m=23
